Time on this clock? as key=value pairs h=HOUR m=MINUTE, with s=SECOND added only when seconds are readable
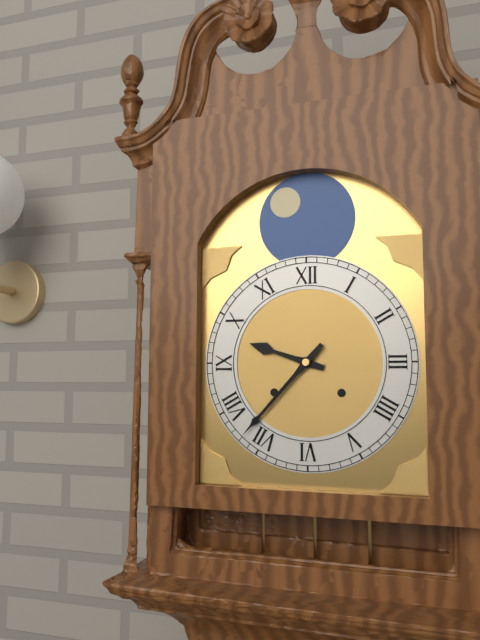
h=9 m=37
